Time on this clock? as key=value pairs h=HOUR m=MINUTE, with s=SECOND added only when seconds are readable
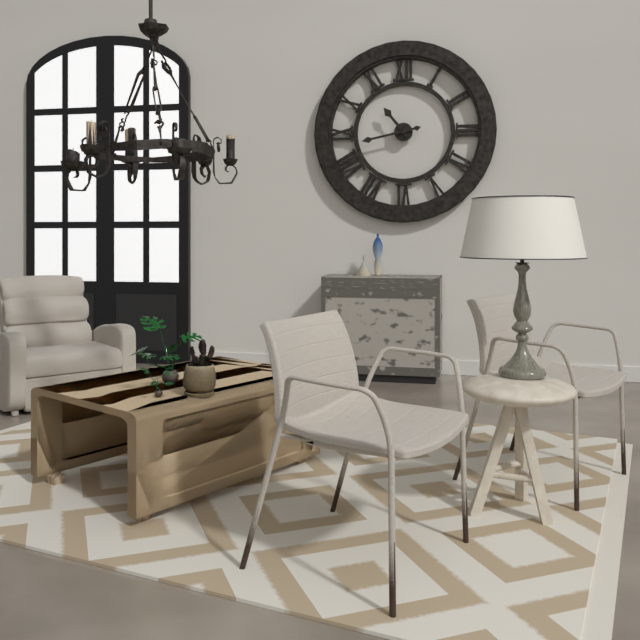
h=10 m=43
